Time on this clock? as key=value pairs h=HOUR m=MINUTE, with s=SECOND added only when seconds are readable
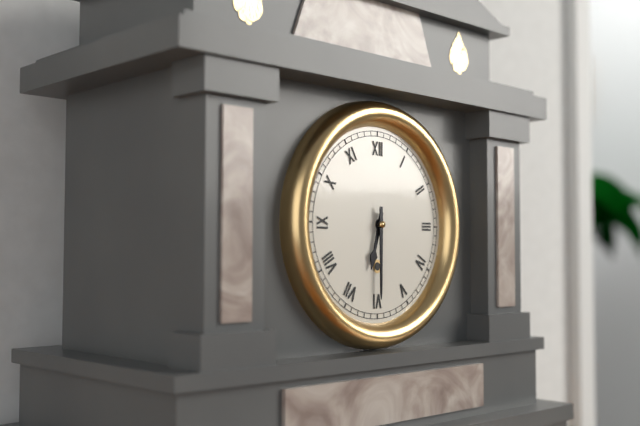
h=6 m=30
